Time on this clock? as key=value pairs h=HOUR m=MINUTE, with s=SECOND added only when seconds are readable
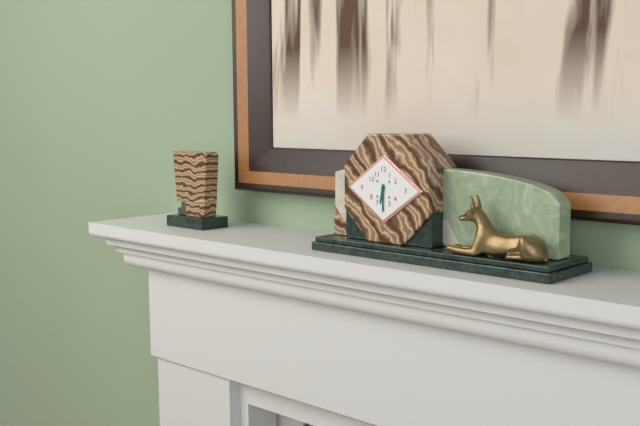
h=6 m=30
